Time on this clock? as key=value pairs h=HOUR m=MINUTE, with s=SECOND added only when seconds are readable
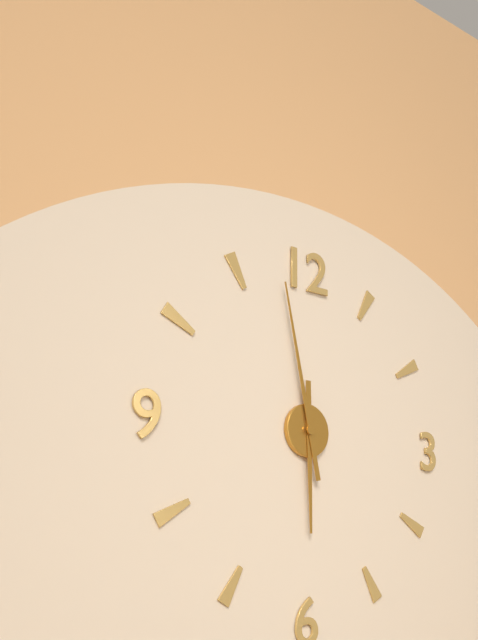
h=5 m=58
